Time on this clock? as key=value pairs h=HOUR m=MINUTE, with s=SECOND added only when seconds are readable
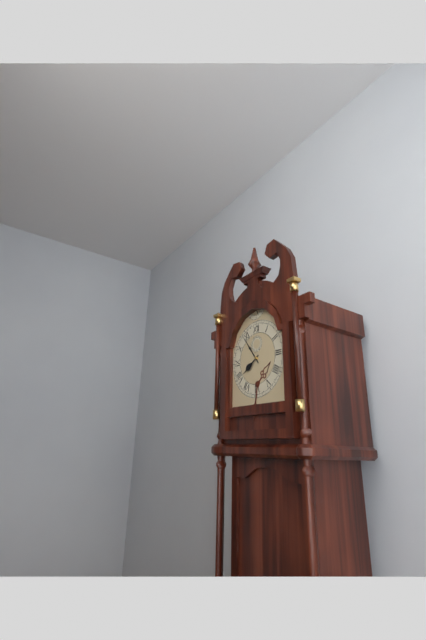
h=7 m=54
